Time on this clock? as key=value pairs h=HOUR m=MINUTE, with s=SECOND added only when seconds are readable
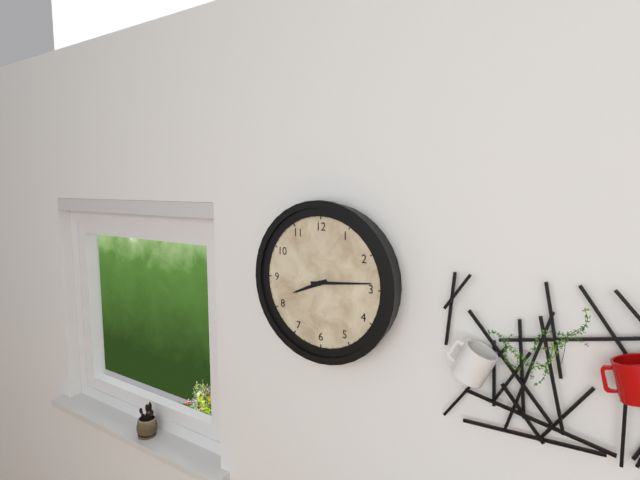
h=8 m=14
